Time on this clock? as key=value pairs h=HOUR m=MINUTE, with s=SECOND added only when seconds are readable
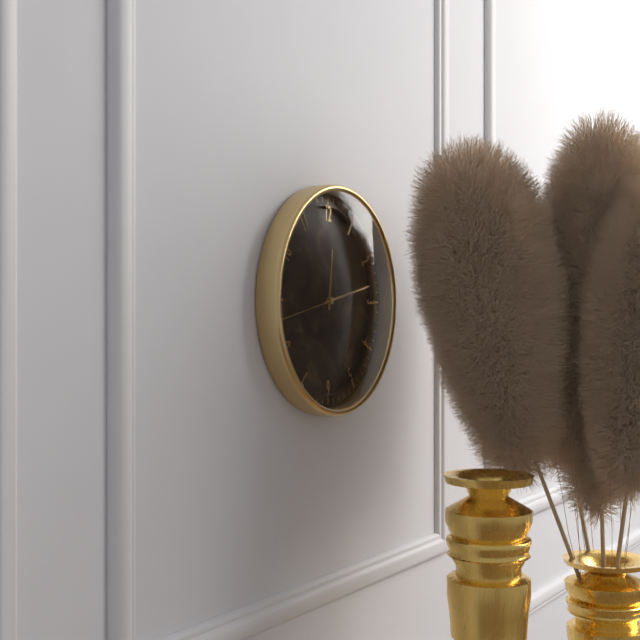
h=12 m=13 s=43
